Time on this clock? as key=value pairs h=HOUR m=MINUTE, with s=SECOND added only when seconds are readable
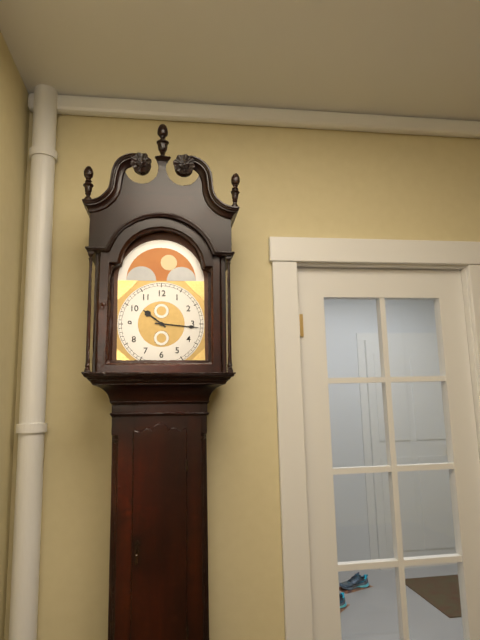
h=10 m=16
